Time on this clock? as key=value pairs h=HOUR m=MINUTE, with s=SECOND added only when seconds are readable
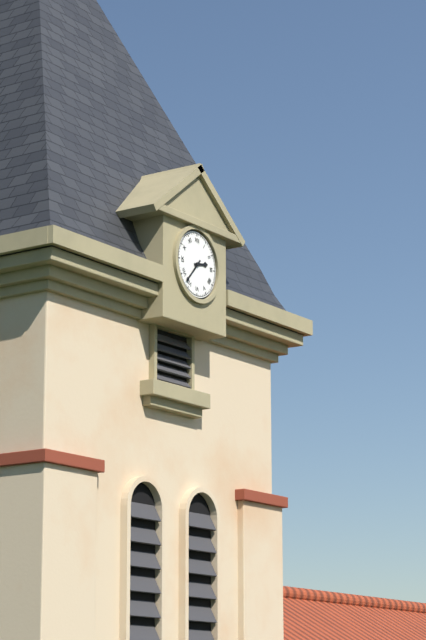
h=2 m=37
